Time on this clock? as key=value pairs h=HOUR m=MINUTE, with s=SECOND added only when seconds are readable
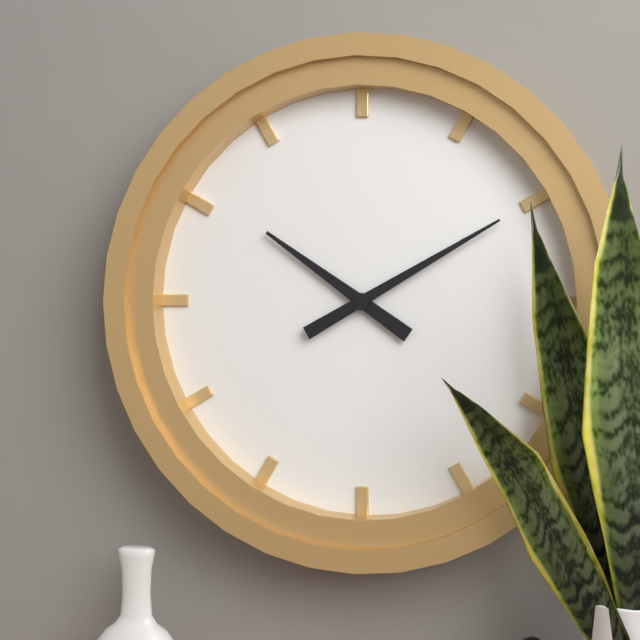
h=10 m=10
